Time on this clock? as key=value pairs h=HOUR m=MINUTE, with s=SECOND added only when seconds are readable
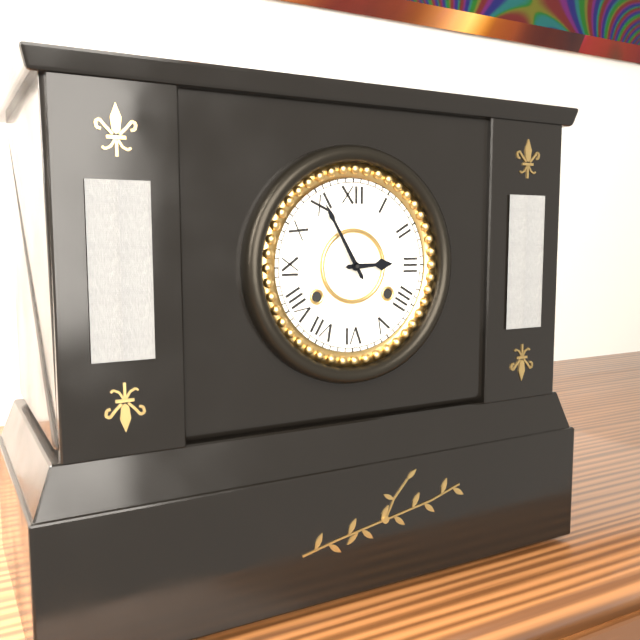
h=2 m=55
